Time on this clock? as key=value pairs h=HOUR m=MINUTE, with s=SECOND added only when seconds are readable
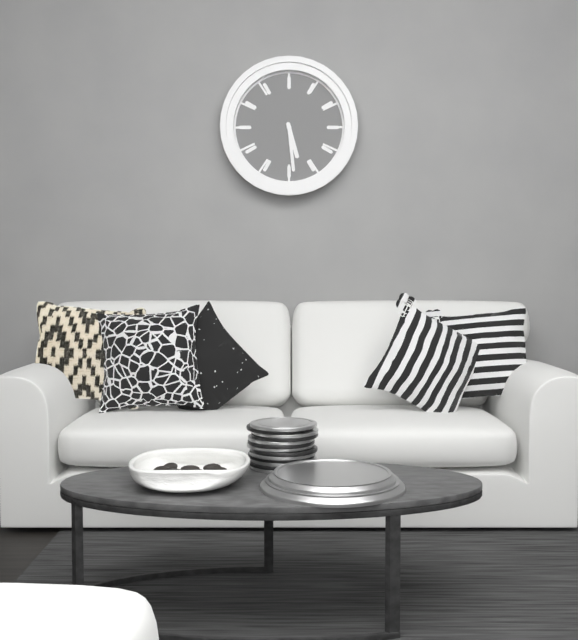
h=5 m=29
